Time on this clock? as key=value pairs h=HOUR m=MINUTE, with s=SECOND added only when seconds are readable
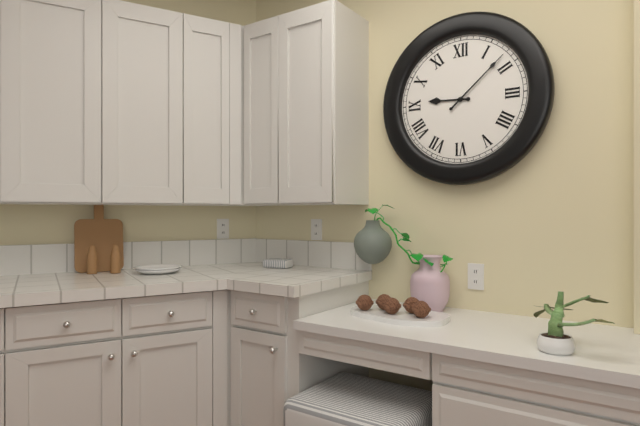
h=9 m=8
